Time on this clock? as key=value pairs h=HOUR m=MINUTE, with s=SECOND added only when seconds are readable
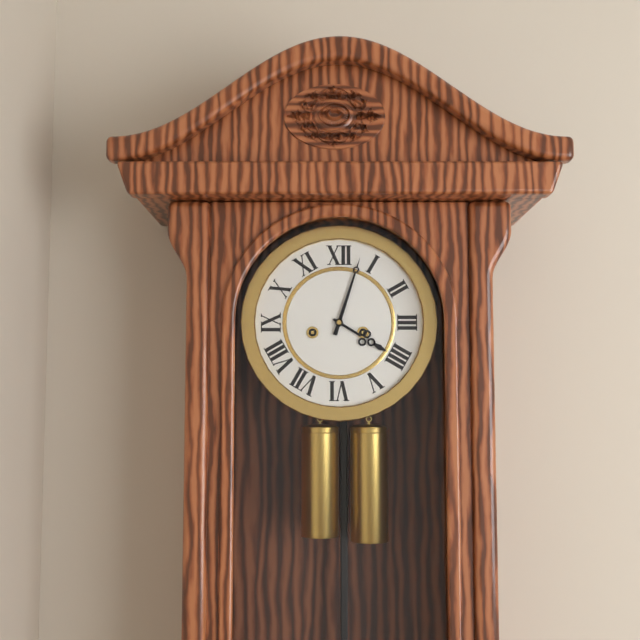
h=4 m=3
